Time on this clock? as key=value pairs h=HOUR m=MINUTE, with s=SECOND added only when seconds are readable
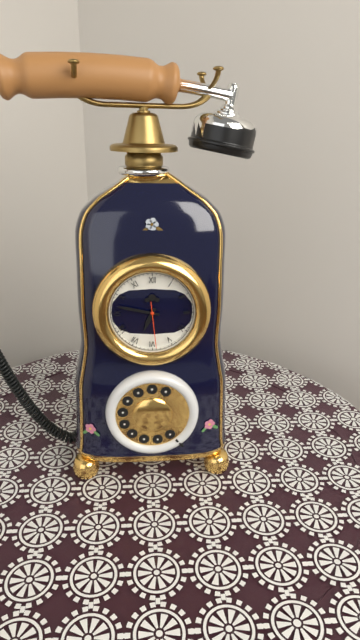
h=6 m=47
